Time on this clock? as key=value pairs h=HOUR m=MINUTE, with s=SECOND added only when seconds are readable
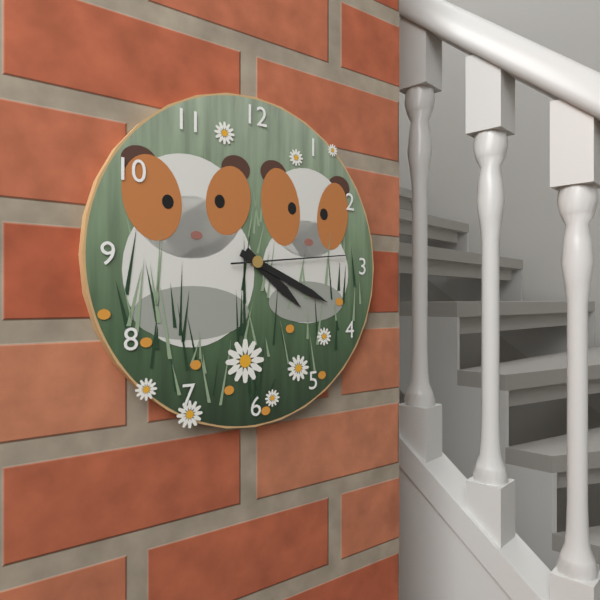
h=4 m=19 s=14
